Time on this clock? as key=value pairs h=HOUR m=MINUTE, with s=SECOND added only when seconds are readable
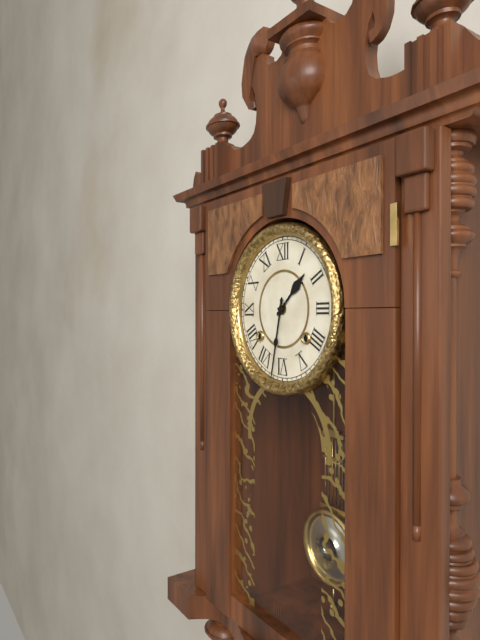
h=1 m=32
